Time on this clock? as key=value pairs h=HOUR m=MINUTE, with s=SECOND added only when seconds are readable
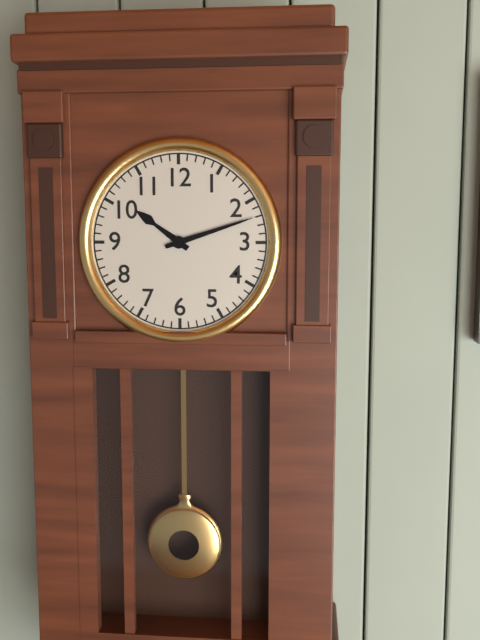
h=10 m=12
